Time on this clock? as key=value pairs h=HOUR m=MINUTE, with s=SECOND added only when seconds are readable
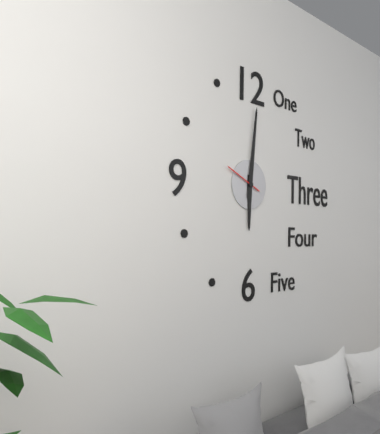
h=6 m=1
